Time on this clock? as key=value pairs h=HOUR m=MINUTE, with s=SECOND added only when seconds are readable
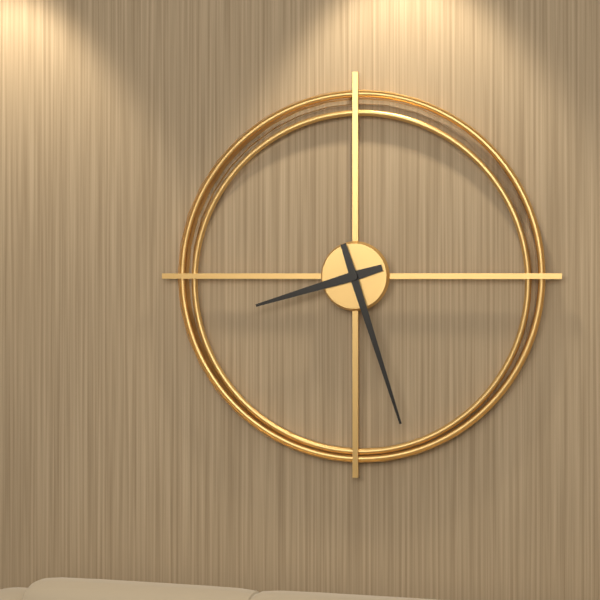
h=8 m=27
